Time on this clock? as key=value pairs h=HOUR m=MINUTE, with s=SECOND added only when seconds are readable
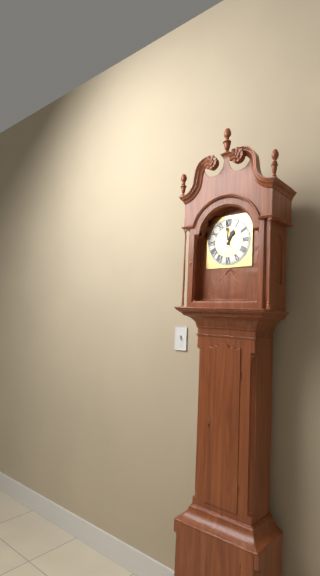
h=12 m=59
